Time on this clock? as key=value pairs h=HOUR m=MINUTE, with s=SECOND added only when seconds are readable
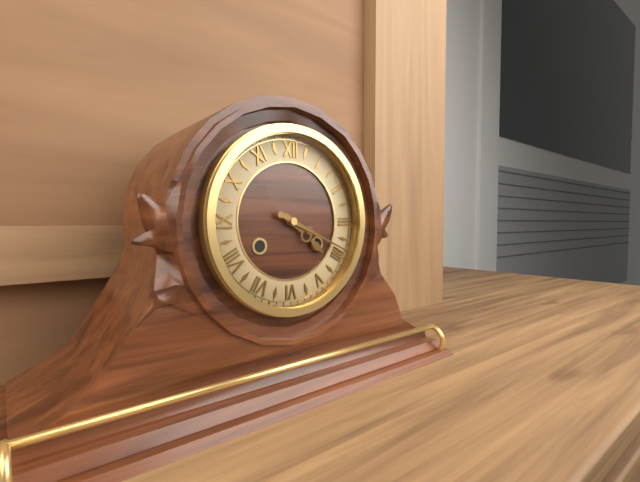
h=4 m=19
